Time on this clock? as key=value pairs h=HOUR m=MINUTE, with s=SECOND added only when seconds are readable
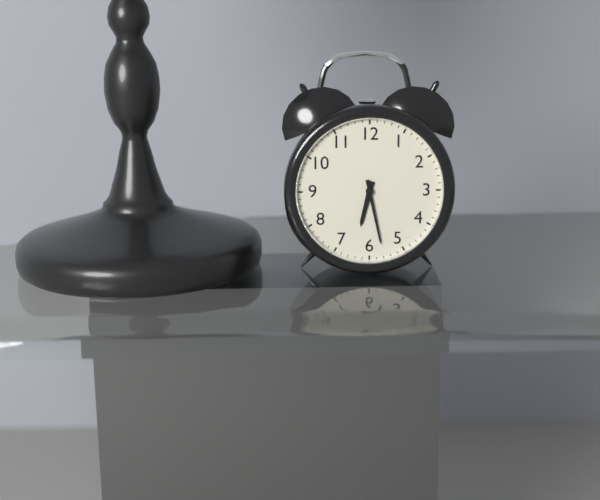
h=6 m=28
